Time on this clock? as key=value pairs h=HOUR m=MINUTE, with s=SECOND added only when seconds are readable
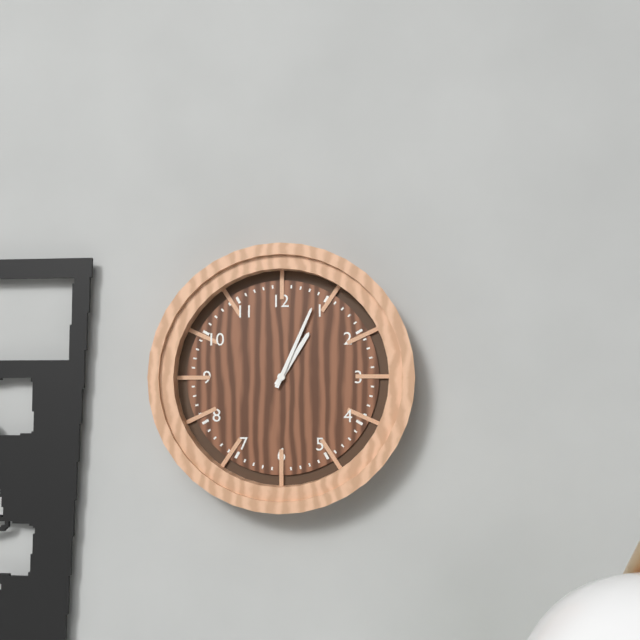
h=1 m=4
